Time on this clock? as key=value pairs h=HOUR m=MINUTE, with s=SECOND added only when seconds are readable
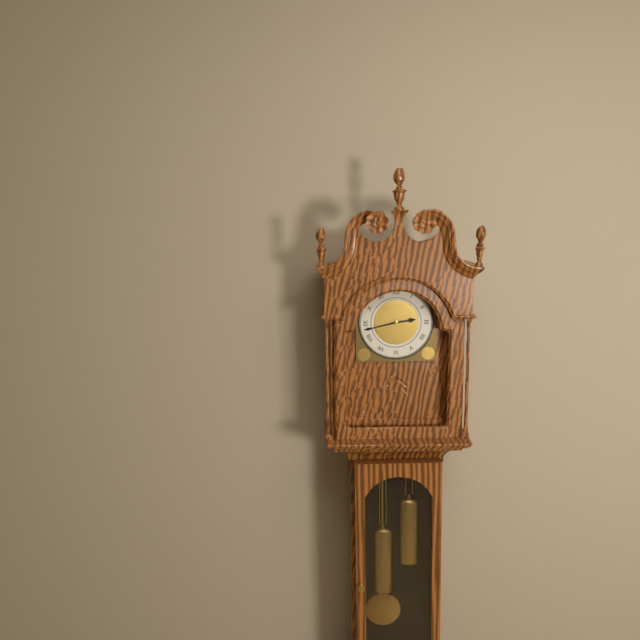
h=2 m=43
